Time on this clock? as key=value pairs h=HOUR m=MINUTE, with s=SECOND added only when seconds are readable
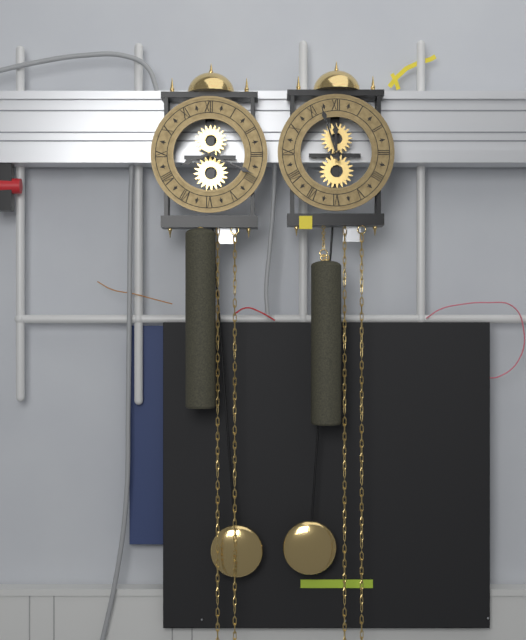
h=8 m=19
